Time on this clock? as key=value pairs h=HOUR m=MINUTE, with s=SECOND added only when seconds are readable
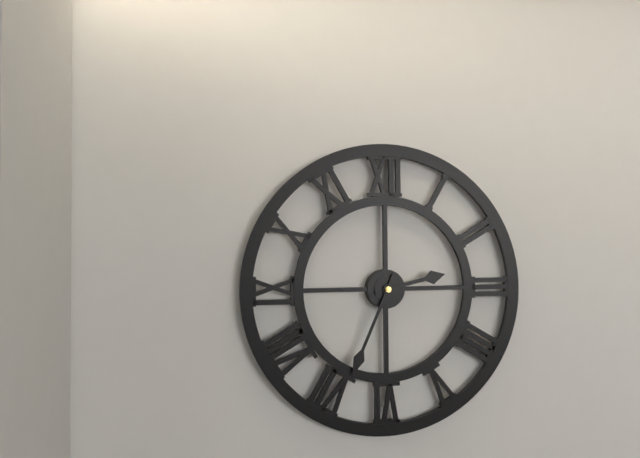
h=2 m=34
